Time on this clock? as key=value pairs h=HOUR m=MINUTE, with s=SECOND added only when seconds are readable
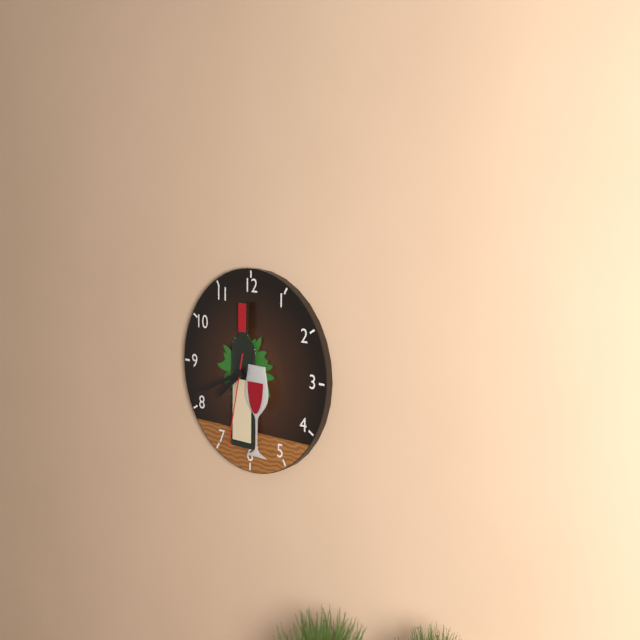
h=7 m=41 s=32
